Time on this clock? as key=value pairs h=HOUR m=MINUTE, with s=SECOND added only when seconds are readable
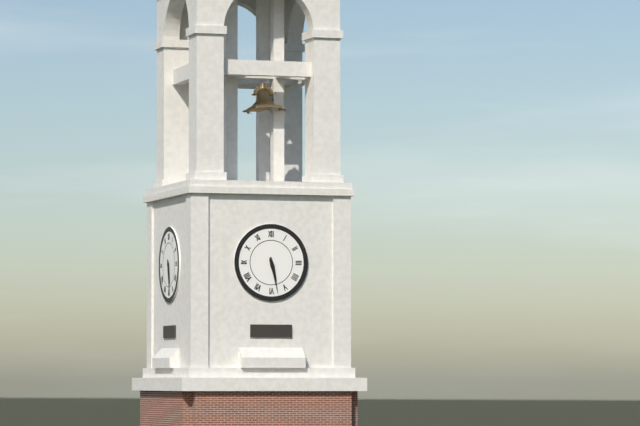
h=5 m=28
